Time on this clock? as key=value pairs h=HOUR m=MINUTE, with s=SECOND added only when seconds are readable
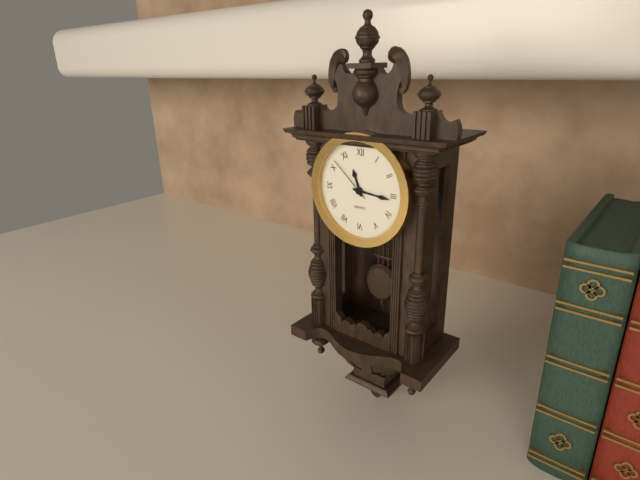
h=11 m=16 s=52
